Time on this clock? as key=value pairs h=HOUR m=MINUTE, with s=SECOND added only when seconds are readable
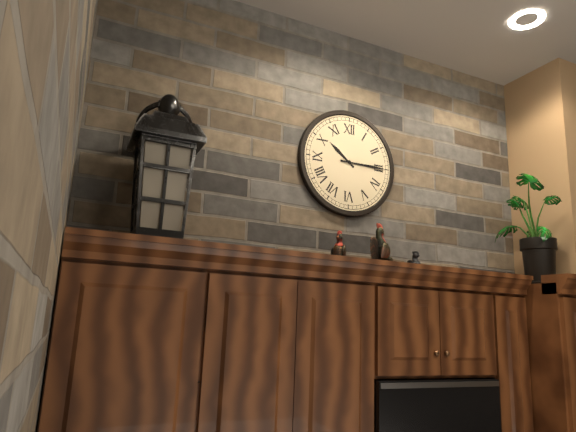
h=10 m=15
